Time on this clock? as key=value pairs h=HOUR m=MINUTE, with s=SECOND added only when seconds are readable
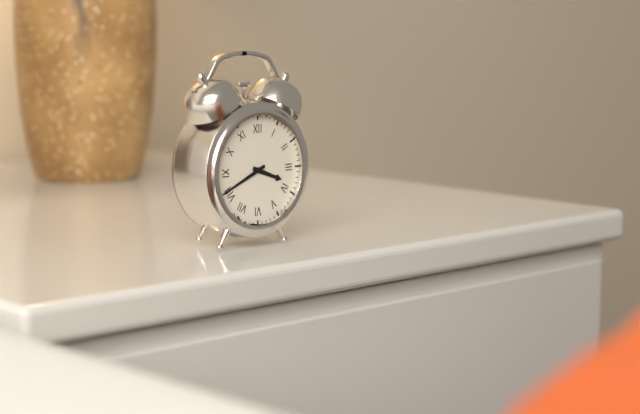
h=3 m=41
